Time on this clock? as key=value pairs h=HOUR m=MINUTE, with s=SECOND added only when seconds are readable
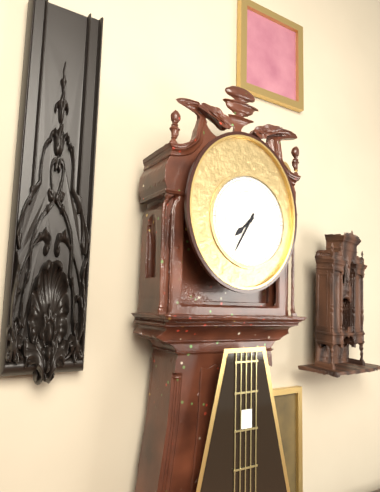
h=7 m=35
